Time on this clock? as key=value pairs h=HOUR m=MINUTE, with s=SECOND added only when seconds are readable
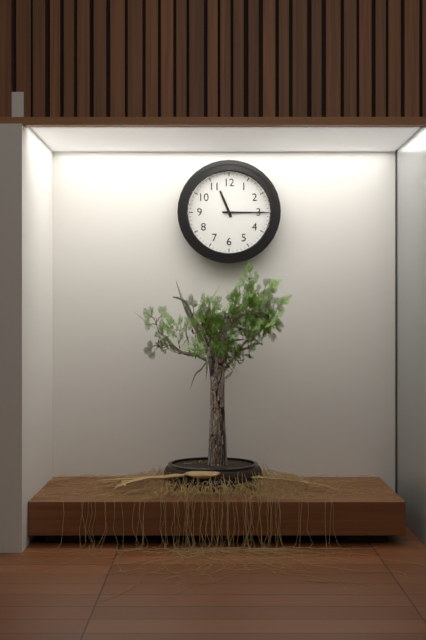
h=11 m=15
